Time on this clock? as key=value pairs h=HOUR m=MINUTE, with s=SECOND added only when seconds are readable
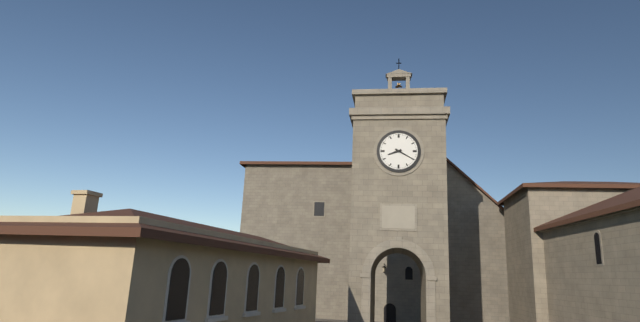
h=8 m=20
